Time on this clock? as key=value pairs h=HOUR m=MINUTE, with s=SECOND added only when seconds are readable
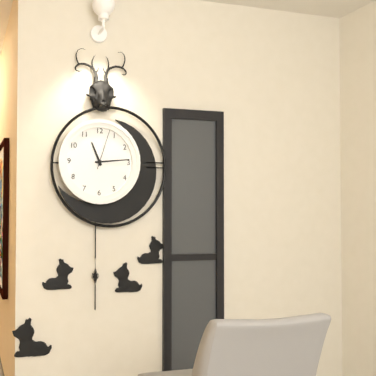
h=11 m=14
